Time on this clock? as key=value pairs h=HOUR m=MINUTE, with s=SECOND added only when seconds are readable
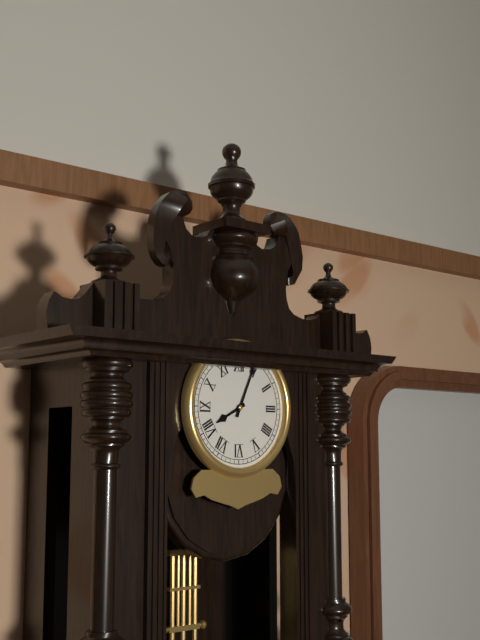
h=8 m=4
